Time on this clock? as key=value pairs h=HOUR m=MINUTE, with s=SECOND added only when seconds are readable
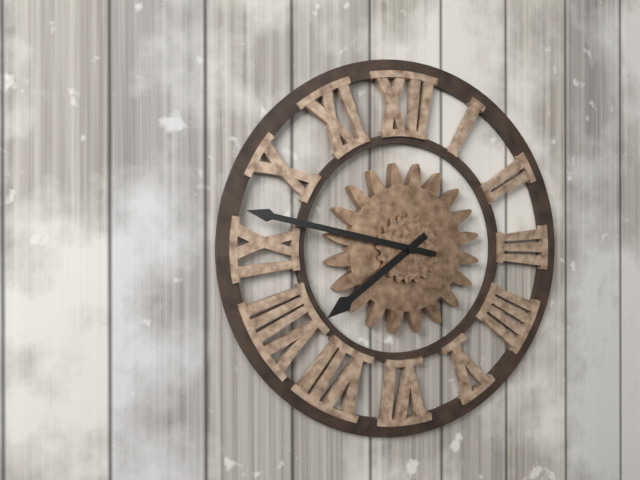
h=7 m=47
